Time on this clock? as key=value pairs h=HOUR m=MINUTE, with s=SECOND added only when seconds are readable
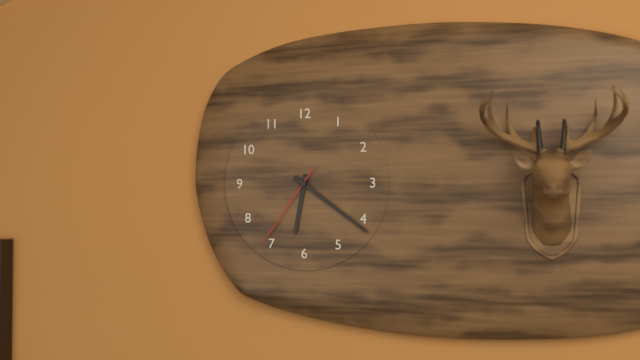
h=6 m=21 s=36
